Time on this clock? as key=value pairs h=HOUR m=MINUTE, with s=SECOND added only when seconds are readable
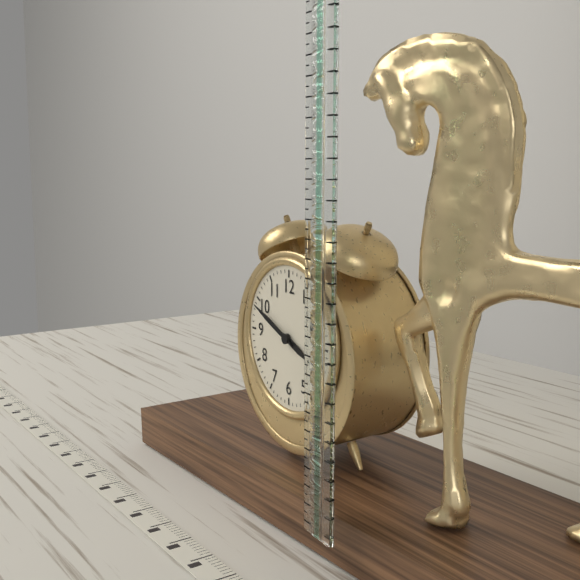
h=3 m=49
